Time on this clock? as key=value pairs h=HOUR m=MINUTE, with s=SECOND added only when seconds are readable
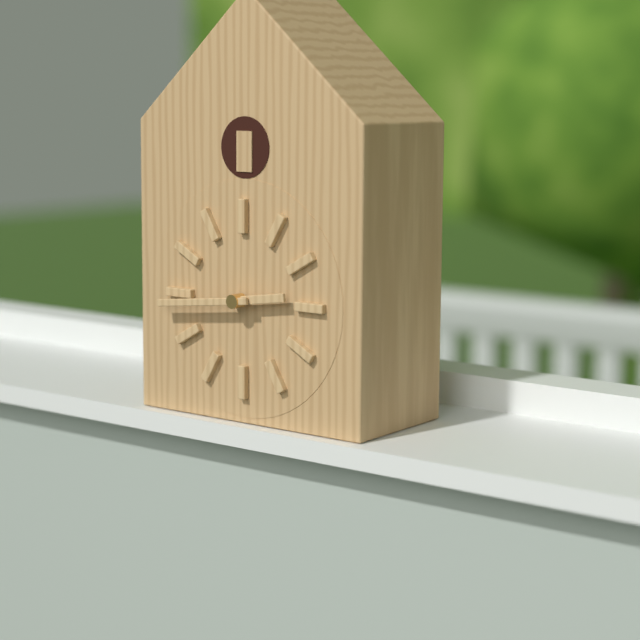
h=2 m=44
